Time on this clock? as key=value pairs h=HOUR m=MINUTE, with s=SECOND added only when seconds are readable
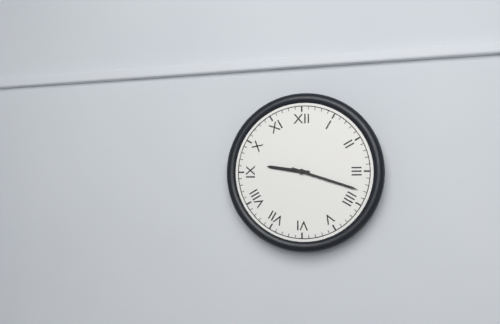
h=9 m=18
